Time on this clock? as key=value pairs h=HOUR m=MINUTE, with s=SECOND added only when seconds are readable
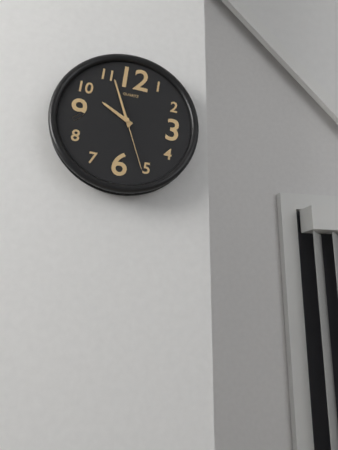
h=9 m=56 s=26
